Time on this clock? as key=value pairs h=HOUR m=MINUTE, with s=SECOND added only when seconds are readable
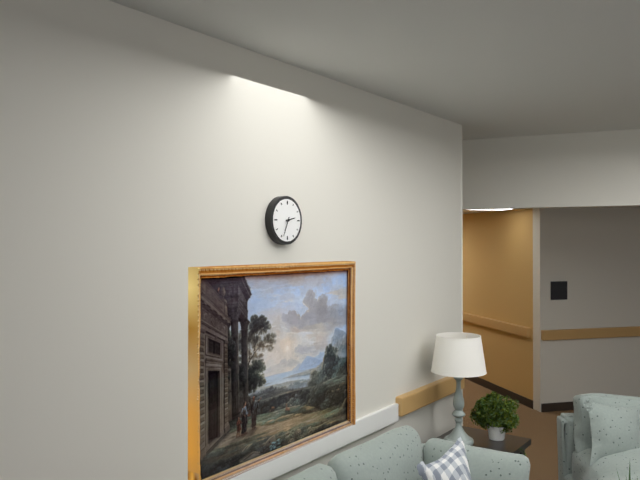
h=2 m=34
